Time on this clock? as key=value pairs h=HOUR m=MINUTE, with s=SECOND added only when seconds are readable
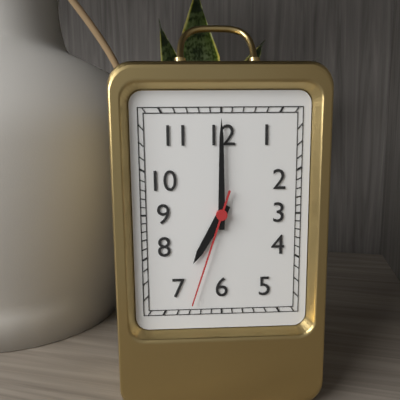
h=7 m=0 s=33
